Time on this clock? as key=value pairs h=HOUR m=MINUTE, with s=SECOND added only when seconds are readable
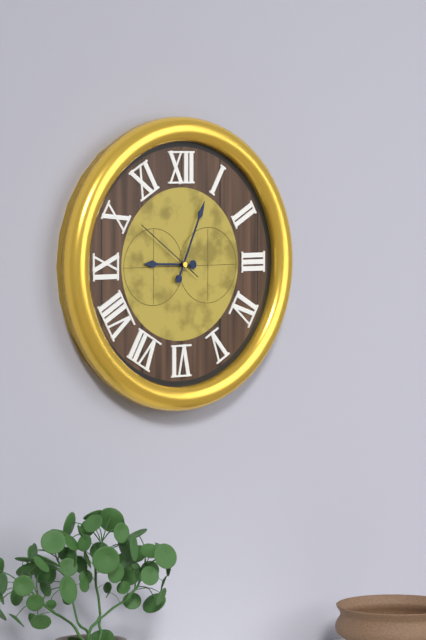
h=9 m=4 s=51
